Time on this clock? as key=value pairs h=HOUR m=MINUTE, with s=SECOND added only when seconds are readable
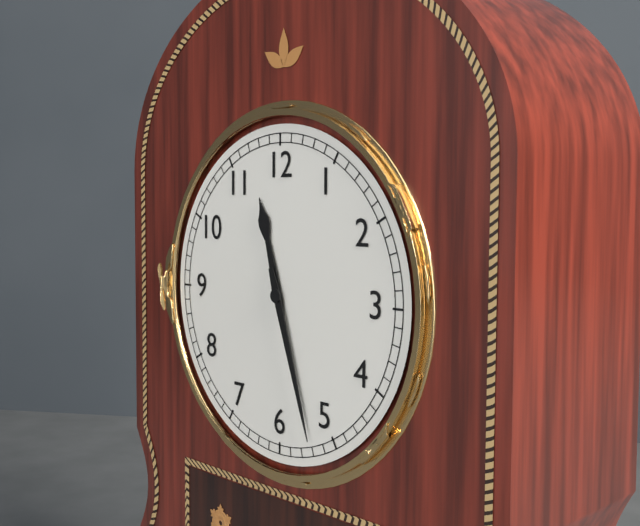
h=11 m=27
